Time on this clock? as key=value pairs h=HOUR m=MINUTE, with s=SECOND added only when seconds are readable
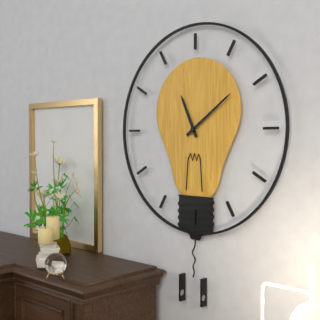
h=11 m=9
